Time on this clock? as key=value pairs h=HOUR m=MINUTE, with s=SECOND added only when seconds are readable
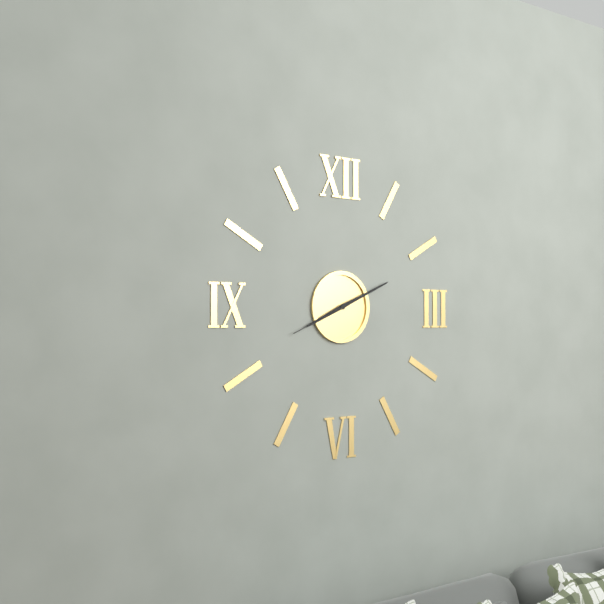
h=8 m=11 s=41
